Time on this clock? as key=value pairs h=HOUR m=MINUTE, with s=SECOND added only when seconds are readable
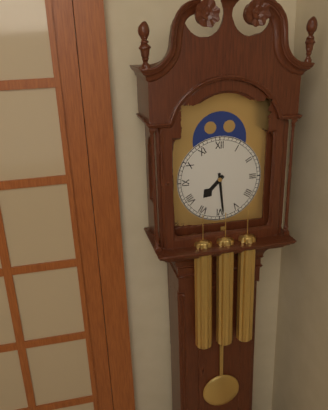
h=7 m=29
